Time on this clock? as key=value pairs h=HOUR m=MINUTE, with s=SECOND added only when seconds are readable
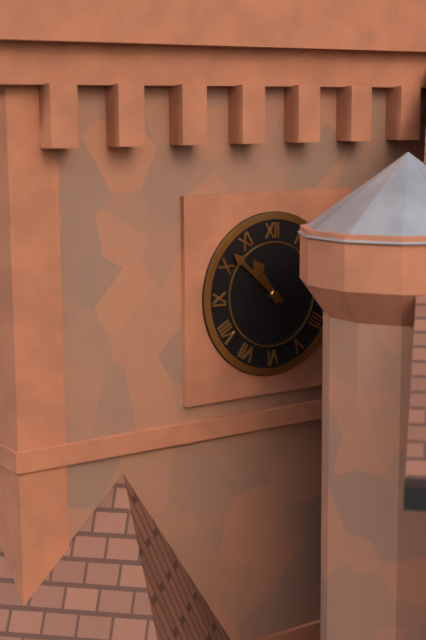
h=10 m=52
